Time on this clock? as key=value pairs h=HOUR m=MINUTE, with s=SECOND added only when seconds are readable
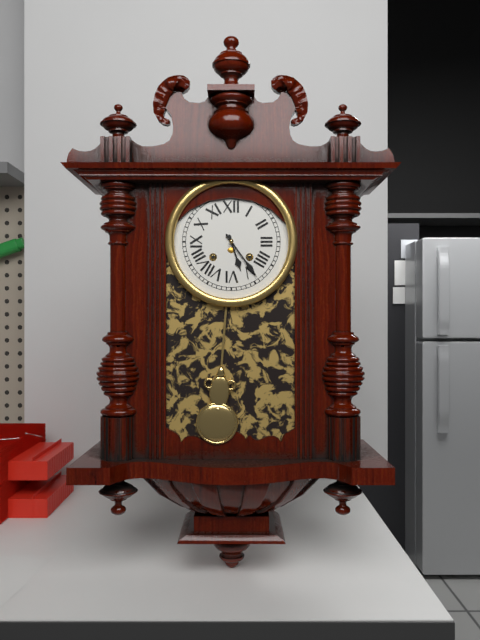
h=5 m=24
